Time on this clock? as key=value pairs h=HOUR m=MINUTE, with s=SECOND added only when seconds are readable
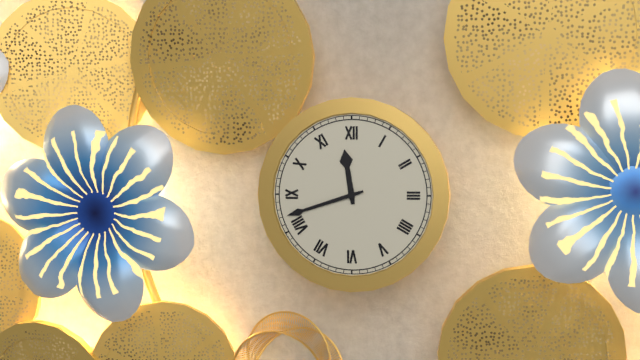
h=11 m=42
